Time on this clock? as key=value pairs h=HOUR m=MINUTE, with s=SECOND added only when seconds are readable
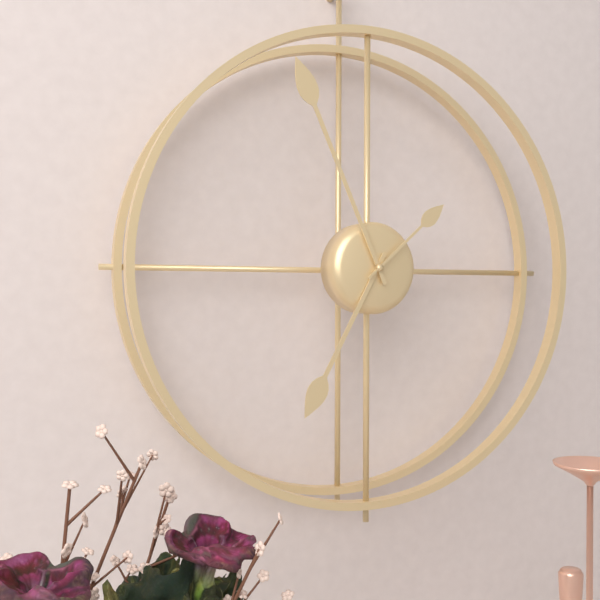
h=6 m=56 s=8
